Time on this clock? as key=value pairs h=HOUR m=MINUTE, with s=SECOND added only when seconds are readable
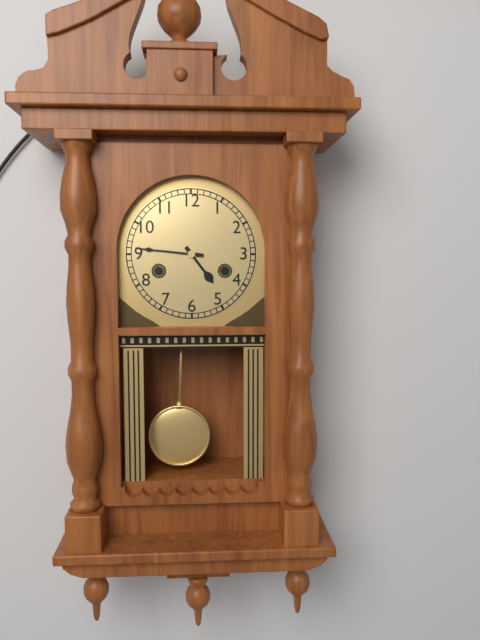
h=4 m=46
